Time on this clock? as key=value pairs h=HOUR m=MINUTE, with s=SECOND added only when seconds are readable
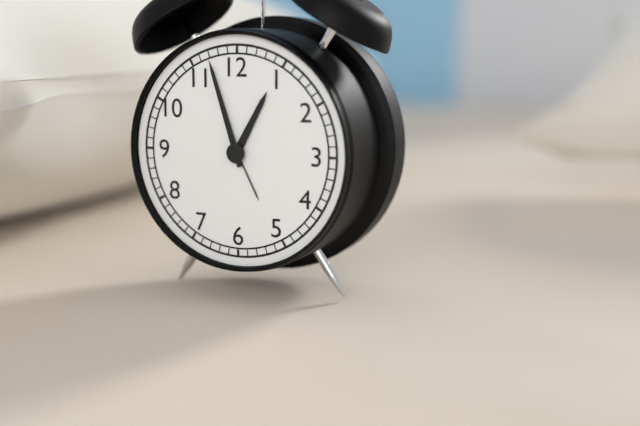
h=12 m=57
